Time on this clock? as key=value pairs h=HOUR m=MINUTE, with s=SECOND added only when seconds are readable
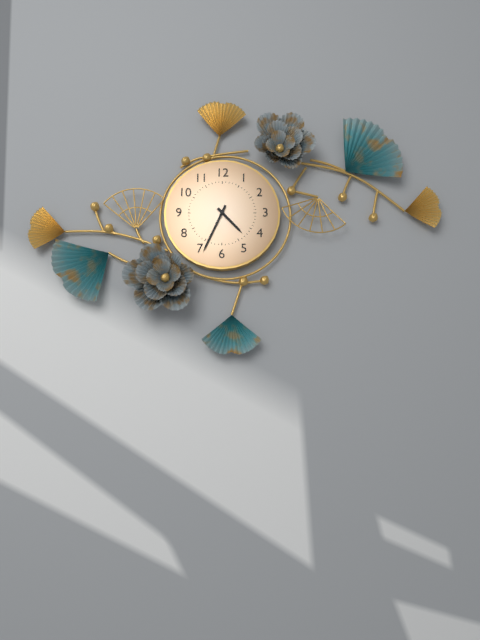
h=4 m=34
